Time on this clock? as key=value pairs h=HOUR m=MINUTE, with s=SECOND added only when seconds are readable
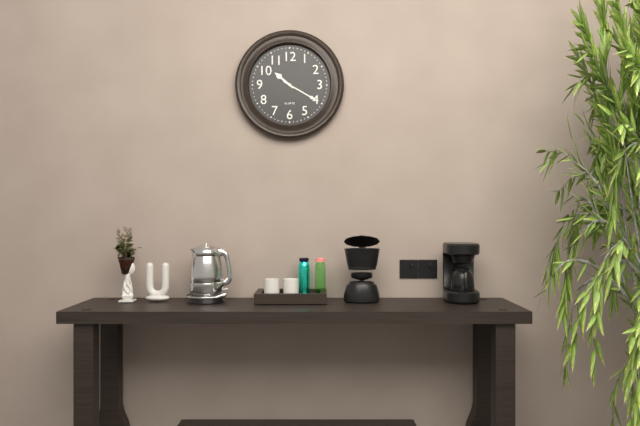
h=10 m=20
